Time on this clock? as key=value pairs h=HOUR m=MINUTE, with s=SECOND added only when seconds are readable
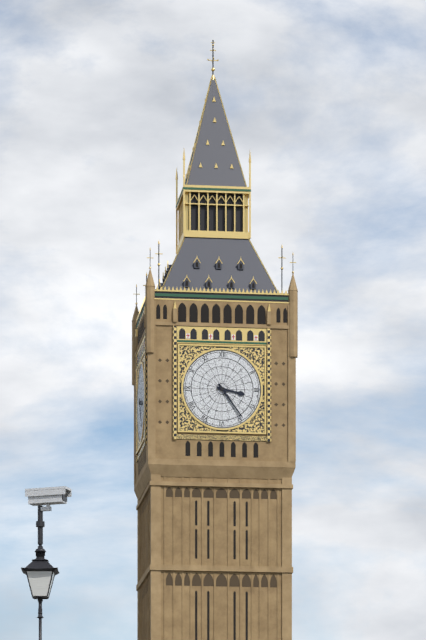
h=3 m=24
